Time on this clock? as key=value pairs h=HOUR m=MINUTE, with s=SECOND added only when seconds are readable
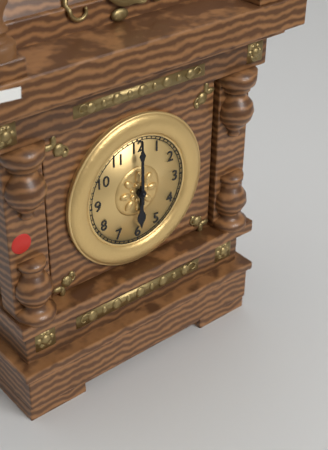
h=6 m=0
